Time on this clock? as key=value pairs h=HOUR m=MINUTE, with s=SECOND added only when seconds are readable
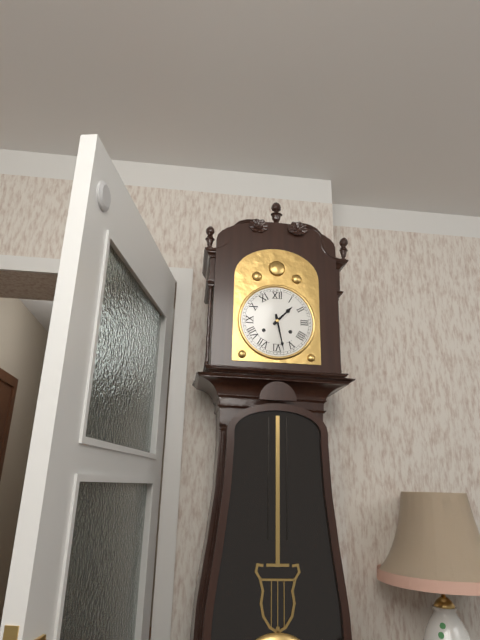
h=1 m=28
